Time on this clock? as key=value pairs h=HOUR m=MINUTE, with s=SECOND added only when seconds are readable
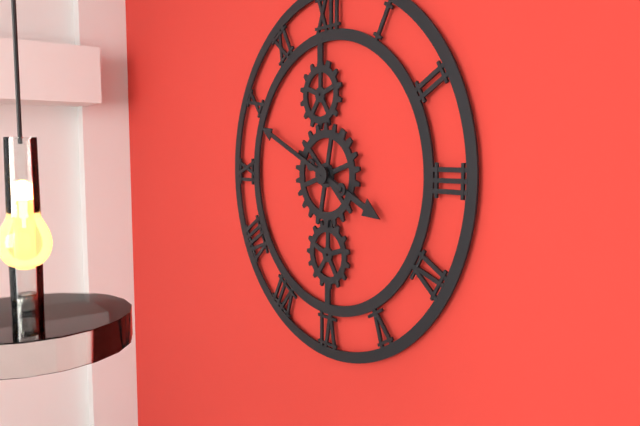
h=3 m=49
